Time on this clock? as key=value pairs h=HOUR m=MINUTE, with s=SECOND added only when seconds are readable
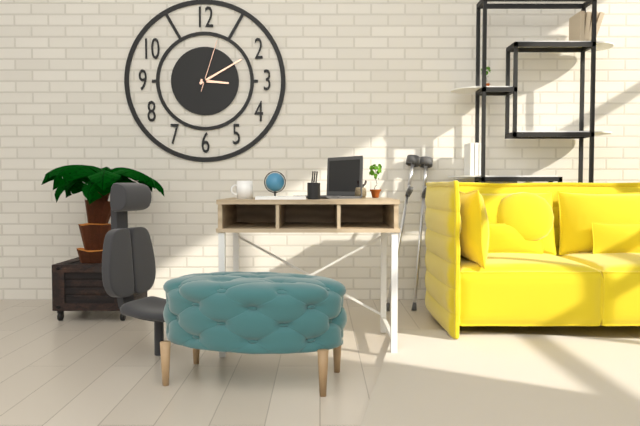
h=3 m=10 s=3
